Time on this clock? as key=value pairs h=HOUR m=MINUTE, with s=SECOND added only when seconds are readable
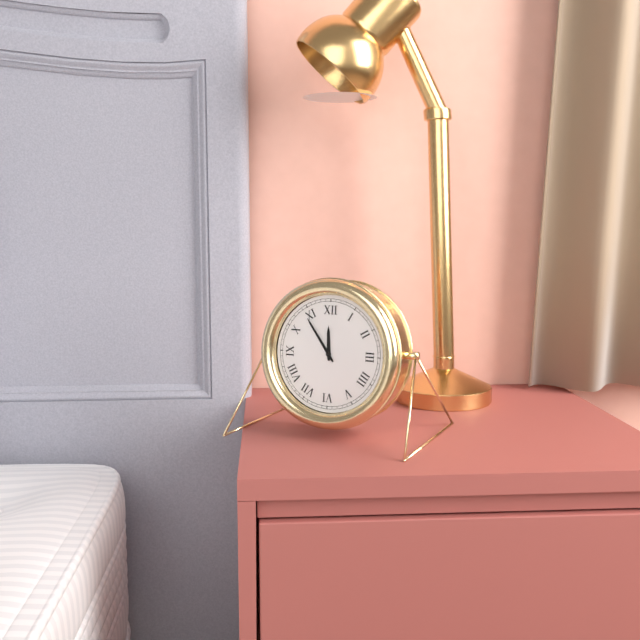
h=11 m=54
